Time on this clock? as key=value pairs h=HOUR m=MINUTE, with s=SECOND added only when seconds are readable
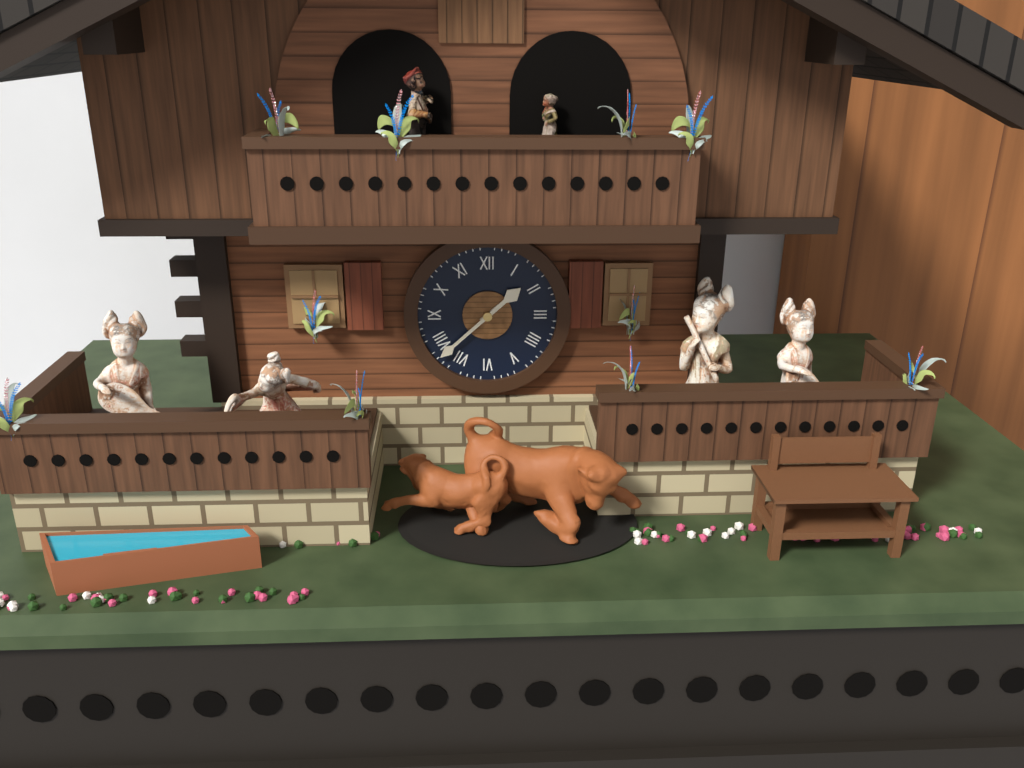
h=1 m=38
